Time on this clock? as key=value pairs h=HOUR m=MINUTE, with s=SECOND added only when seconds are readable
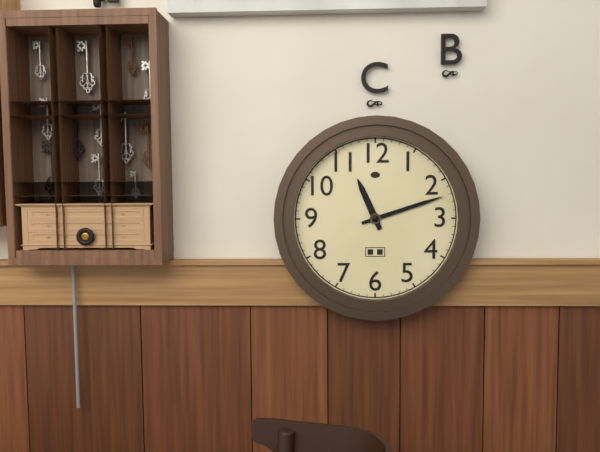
h=11 m=12
